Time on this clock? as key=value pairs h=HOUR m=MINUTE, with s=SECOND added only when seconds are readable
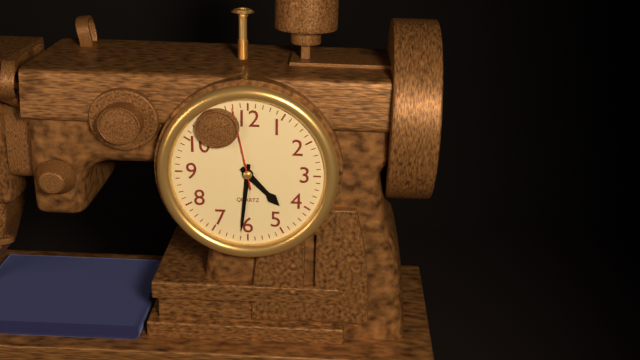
h=4 m=31 s=58
